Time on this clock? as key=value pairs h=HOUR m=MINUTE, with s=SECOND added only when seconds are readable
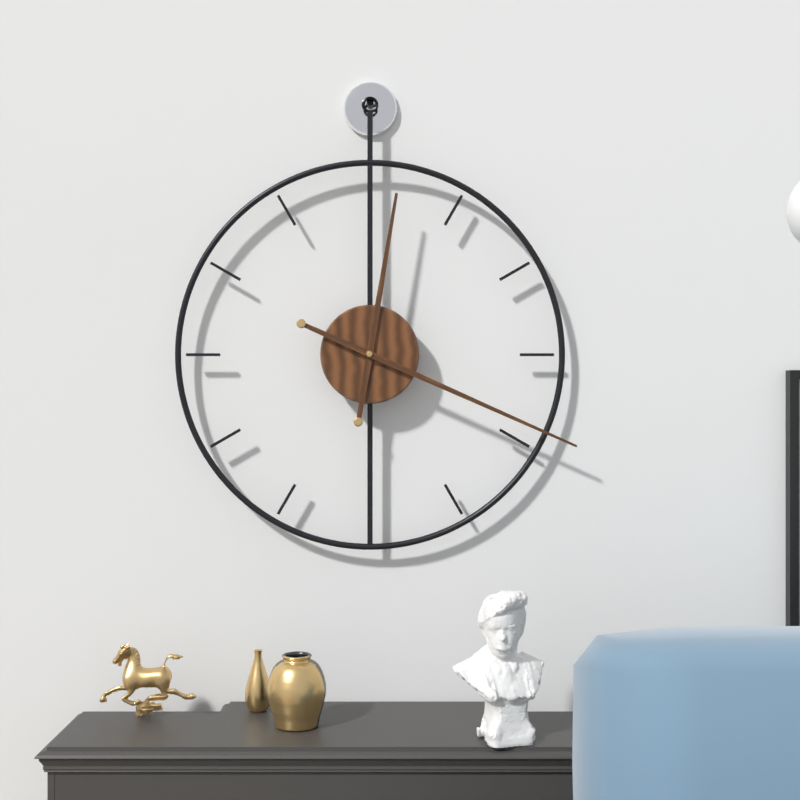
h=12 m=19
